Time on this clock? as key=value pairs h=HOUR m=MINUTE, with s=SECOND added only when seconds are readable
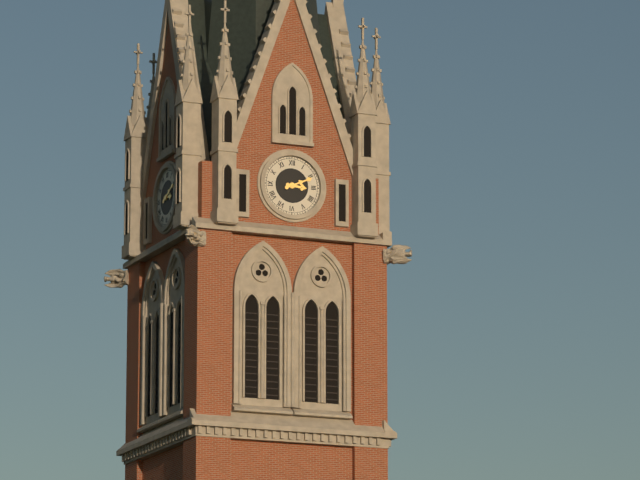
h=3 m=11
